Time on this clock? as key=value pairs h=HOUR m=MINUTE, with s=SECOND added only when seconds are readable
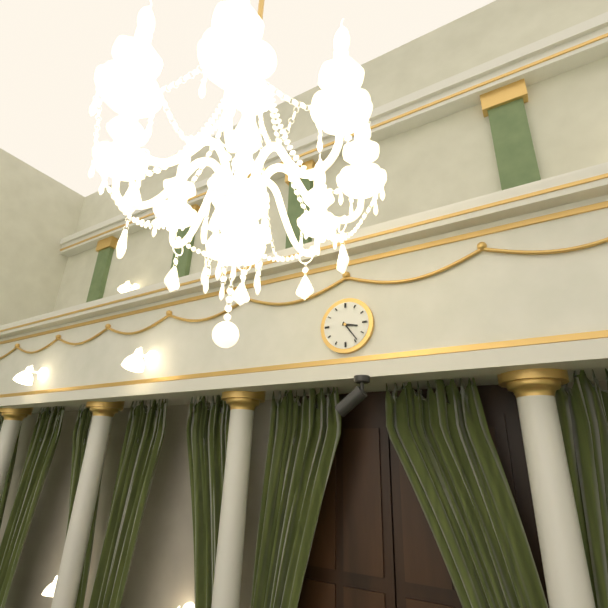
h=3 m=24
